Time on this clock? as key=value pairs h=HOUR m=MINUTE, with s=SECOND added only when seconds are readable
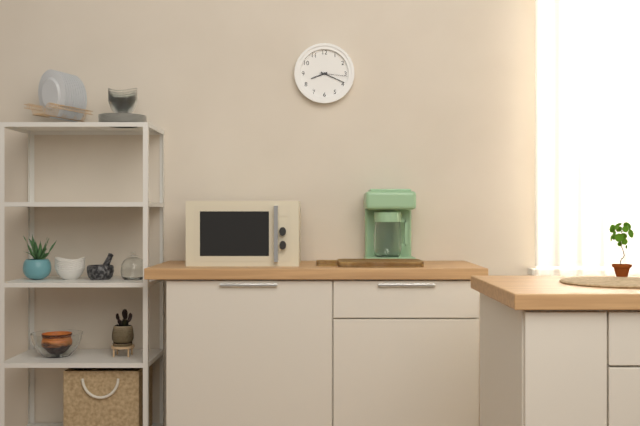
h=8 m=19
